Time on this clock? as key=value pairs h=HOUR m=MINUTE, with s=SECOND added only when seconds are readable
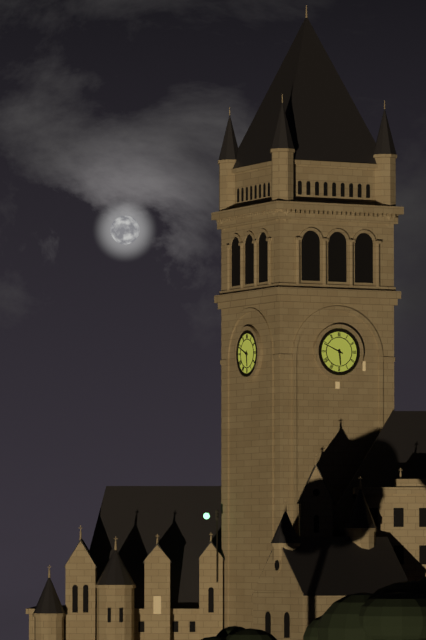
h=5 m=49
